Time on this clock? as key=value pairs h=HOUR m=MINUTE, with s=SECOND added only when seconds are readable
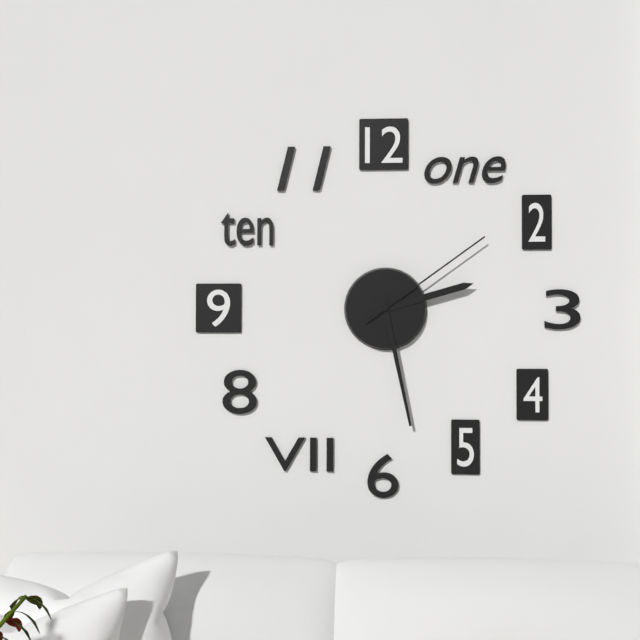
h=2 m=28 s=9
